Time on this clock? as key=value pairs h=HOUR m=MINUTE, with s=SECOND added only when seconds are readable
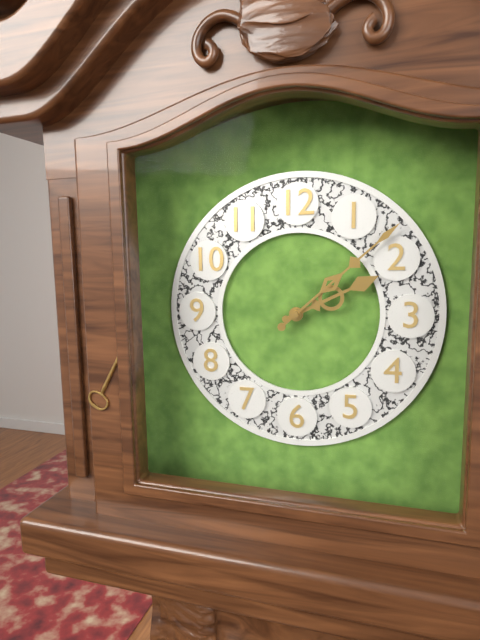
h=2 m=8
